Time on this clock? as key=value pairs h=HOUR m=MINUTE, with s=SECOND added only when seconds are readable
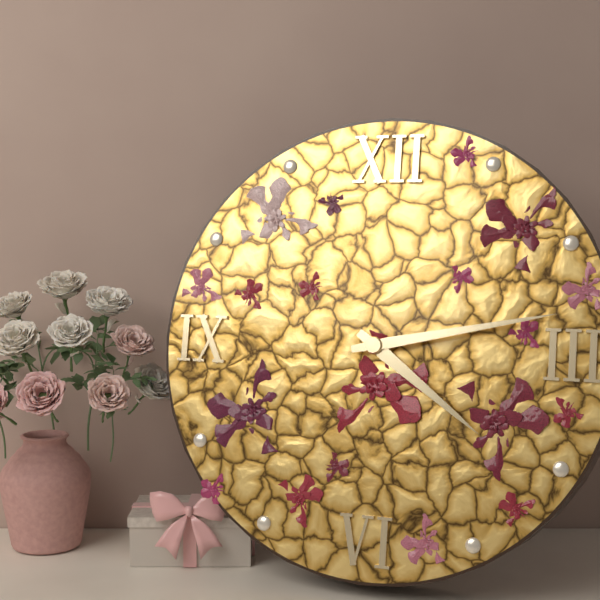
h=4 m=13
